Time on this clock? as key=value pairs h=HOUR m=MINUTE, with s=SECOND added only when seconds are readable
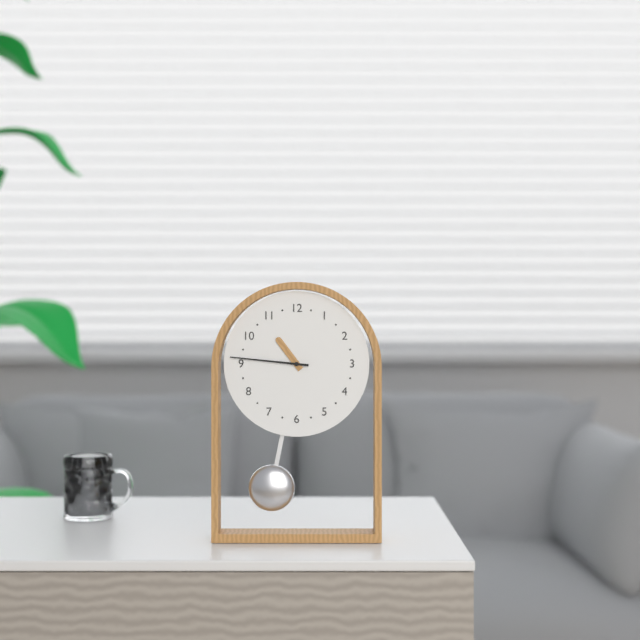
h=10 m=46
